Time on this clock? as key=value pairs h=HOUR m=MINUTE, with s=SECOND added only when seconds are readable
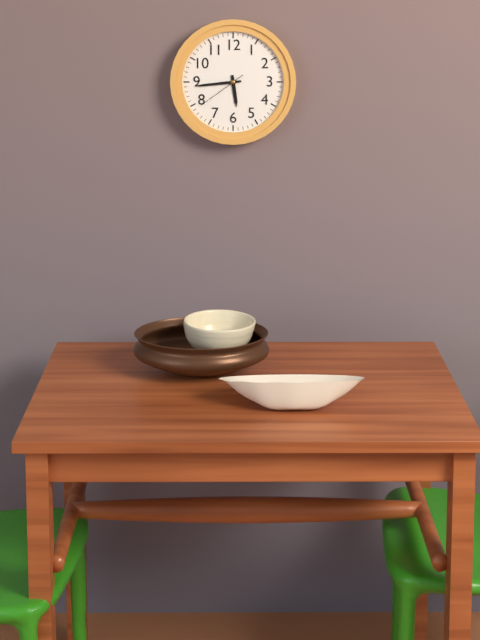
h=5 m=44
